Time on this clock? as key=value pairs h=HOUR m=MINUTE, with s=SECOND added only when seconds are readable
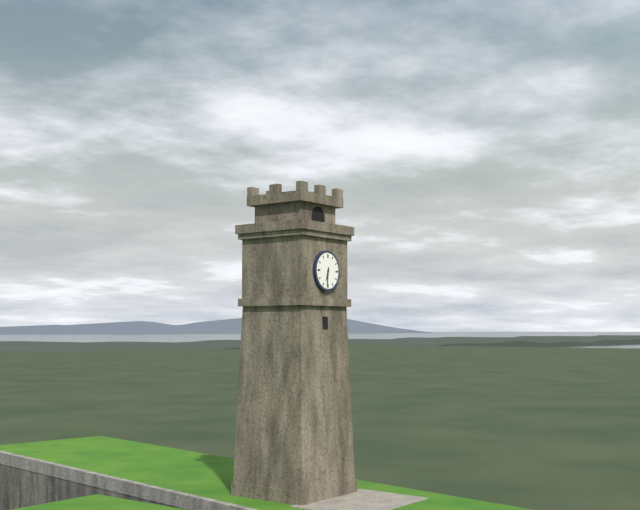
h=6 m=31
